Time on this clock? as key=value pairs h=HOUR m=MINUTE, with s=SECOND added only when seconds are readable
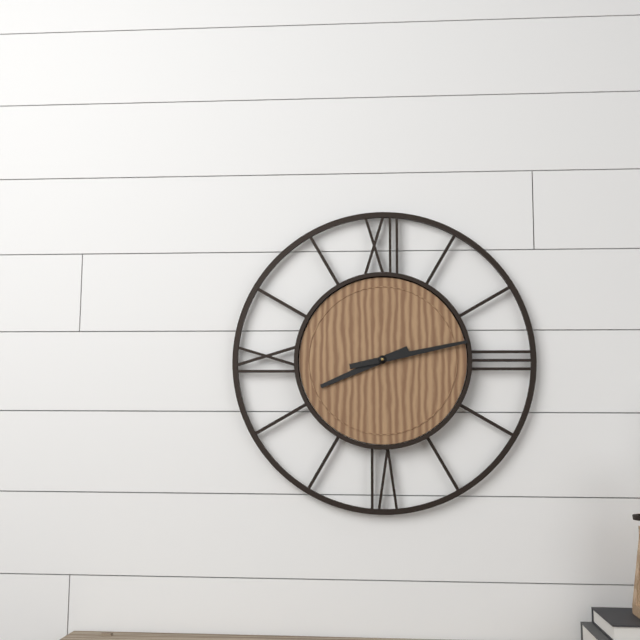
h=8 m=13
